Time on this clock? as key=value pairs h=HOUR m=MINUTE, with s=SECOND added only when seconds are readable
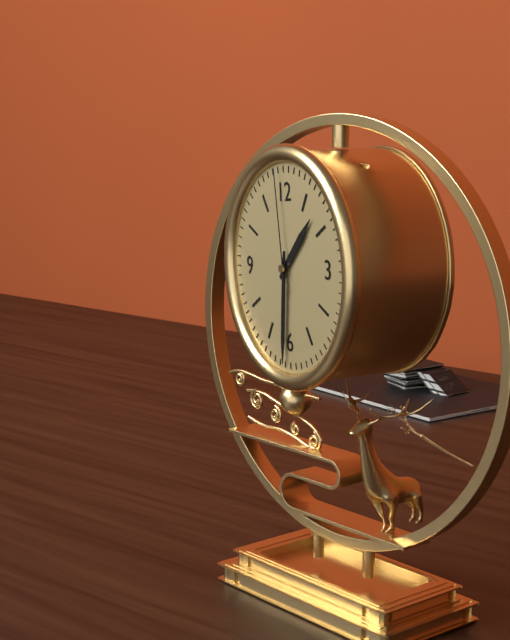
h=1 m=31 s=59
